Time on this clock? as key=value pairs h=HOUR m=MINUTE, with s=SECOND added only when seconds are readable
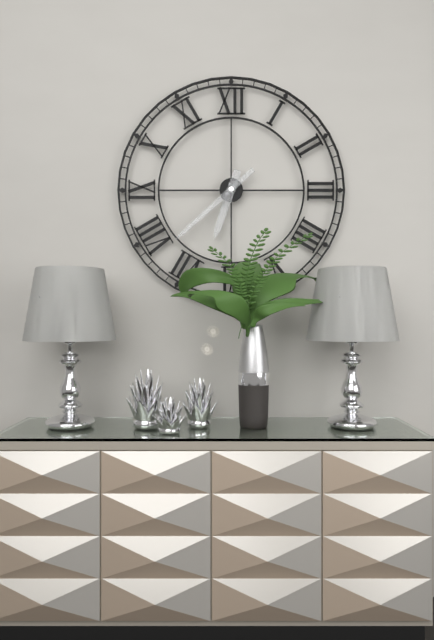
h=6 m=38
